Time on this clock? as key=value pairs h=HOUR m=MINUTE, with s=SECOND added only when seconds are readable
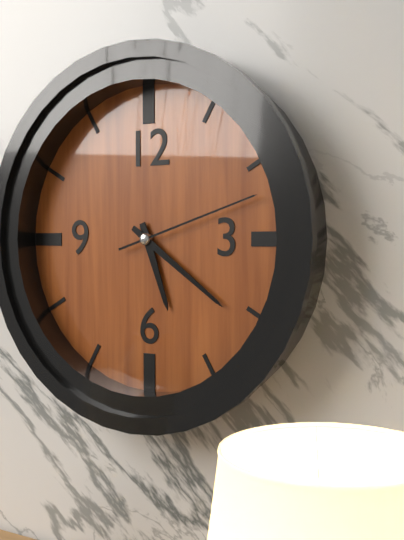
h=5 m=21 s=12
